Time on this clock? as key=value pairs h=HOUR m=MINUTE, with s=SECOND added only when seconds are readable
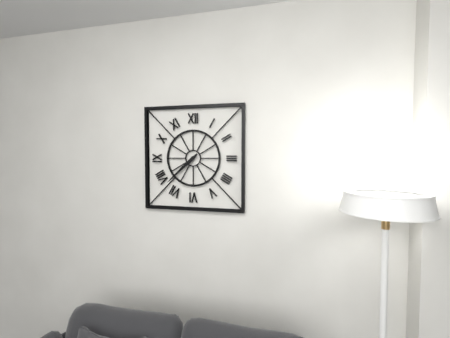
h=7 m=38
